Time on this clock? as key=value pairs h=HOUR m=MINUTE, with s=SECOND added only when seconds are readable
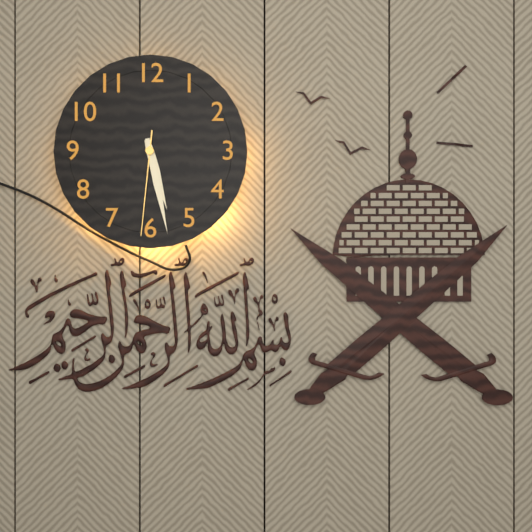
h=5 m=28 s=31
